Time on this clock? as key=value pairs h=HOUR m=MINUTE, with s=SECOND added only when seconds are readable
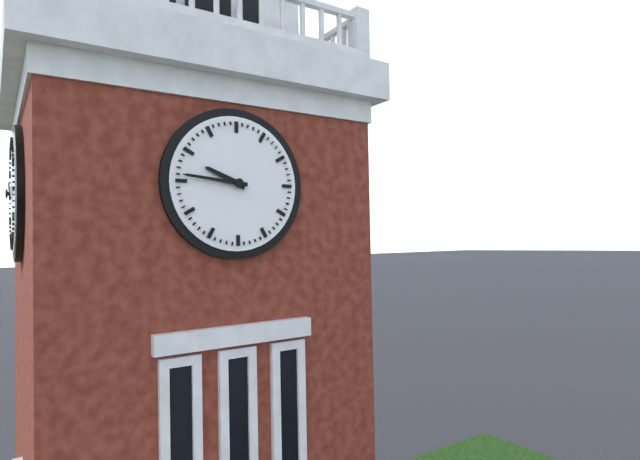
h=9 m=46
